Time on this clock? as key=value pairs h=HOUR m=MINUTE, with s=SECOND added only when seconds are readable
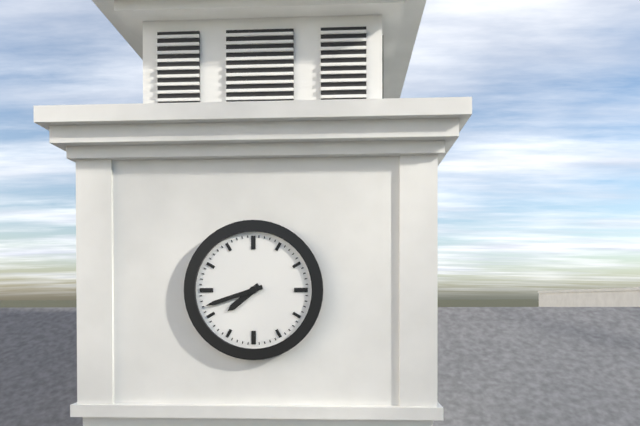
h=7 m=42
